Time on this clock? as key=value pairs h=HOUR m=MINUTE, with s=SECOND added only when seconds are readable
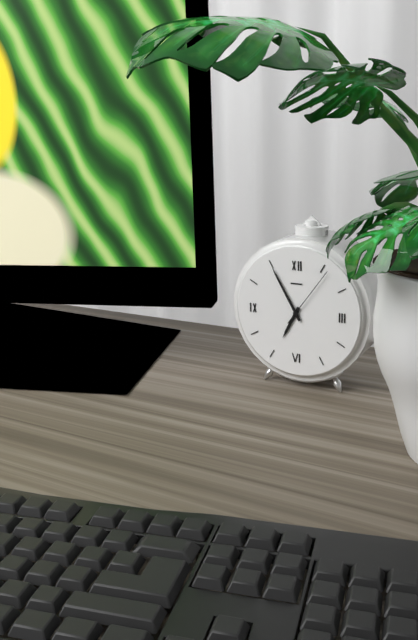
h=6 m=55 s=6
